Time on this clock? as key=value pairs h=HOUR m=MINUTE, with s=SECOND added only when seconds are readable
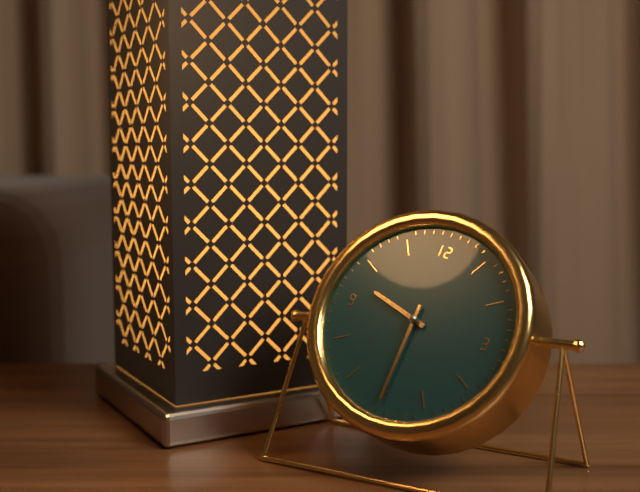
h=9 m=30
